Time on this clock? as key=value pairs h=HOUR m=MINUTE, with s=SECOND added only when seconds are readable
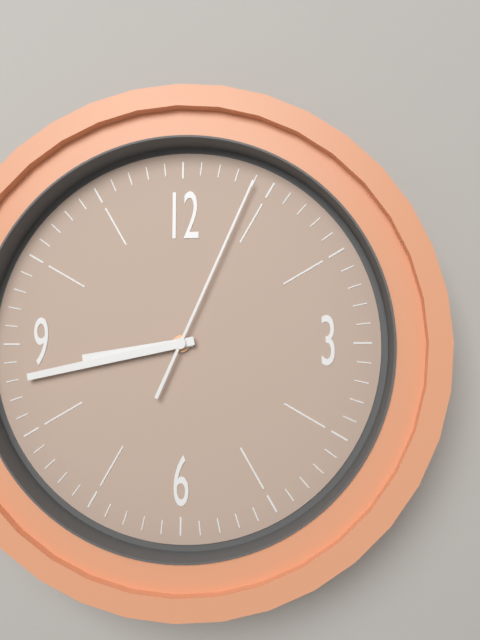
h=8 m=43 s=4
